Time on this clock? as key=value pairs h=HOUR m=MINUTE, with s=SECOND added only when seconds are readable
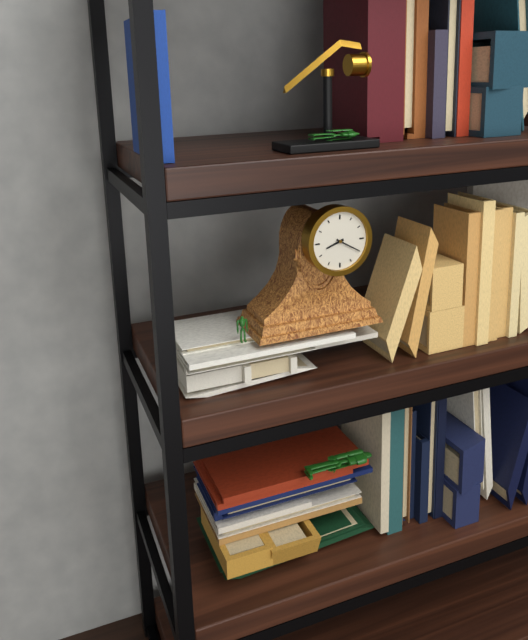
h=8 m=20
